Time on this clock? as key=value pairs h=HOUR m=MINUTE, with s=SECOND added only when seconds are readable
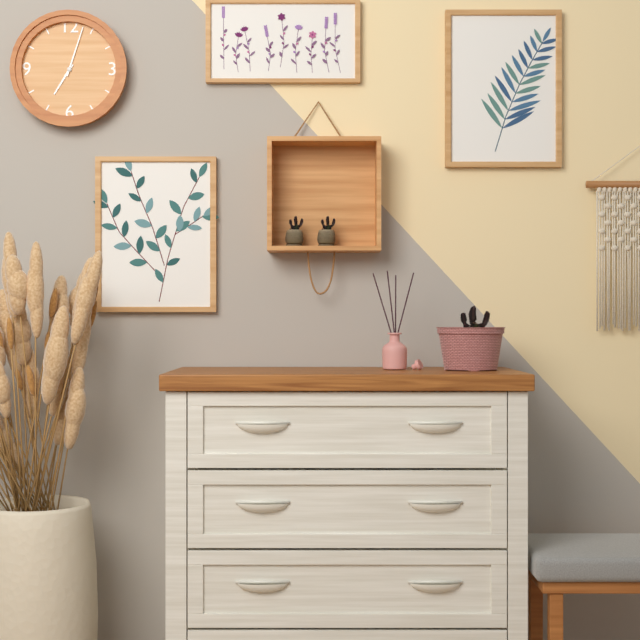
h=7 m=3
